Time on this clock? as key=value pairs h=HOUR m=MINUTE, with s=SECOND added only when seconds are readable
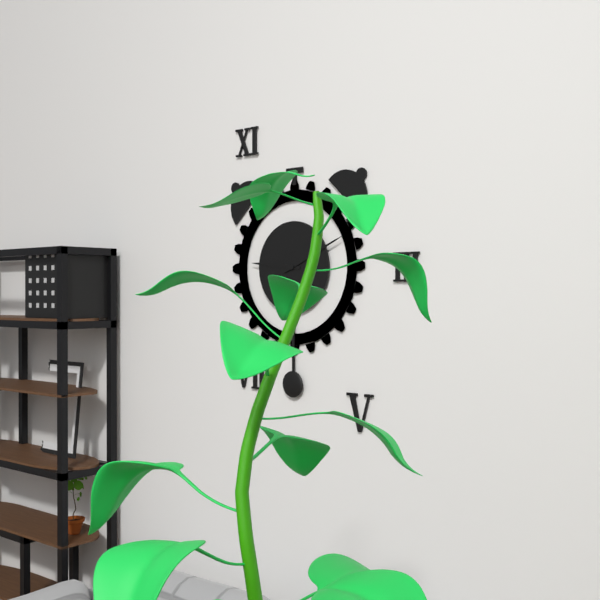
h=9 m=11
